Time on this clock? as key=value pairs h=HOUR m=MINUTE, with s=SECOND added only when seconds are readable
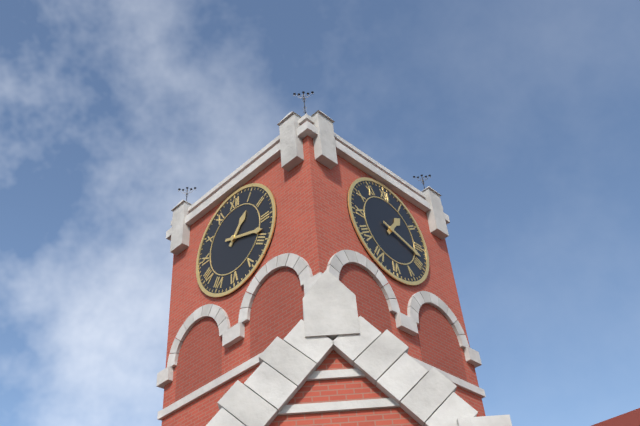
h=1 m=18
